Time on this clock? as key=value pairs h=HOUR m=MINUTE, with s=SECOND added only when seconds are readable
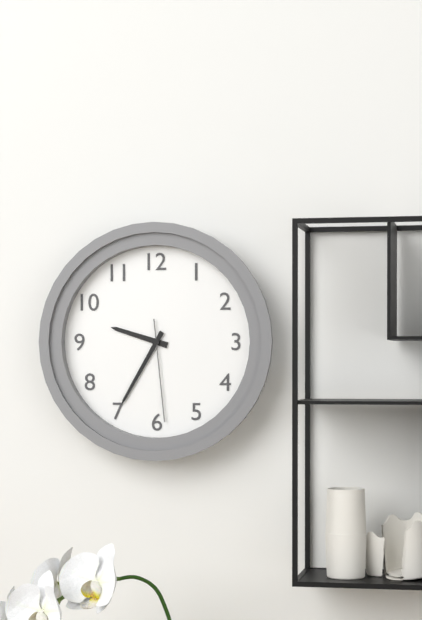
h=9 m=35 s=29
